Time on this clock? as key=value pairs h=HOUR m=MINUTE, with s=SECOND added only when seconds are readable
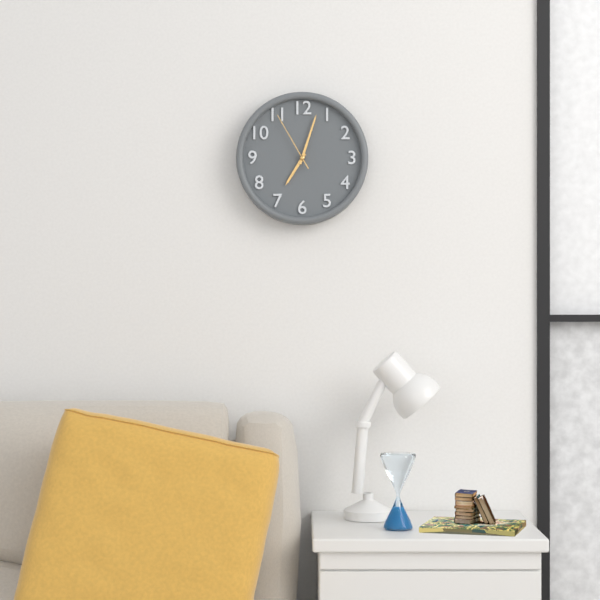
h=7 m=3 s=55
